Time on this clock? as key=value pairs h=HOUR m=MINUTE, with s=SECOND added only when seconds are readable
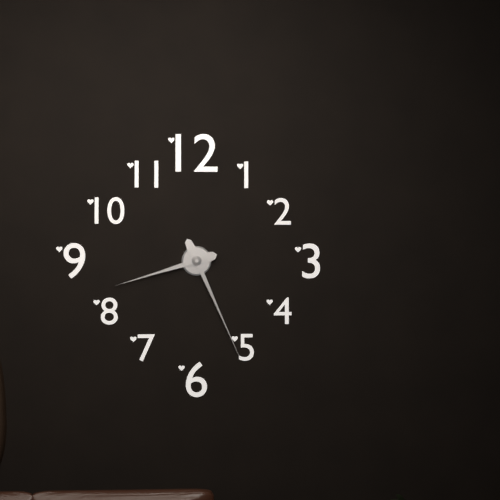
h=8 m=26
